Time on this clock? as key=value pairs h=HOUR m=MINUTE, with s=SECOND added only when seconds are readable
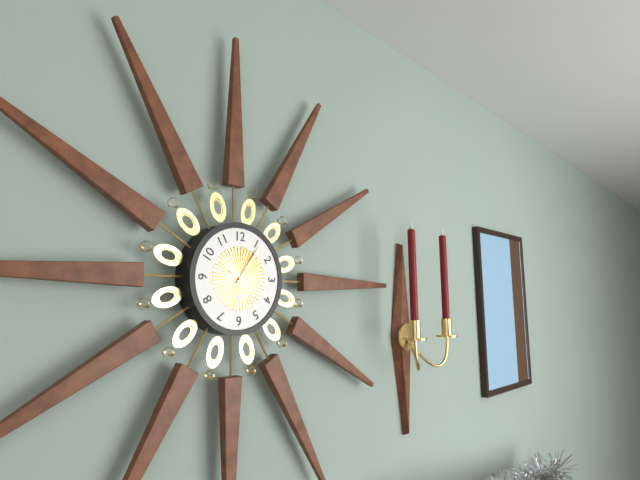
h=10 m=6
